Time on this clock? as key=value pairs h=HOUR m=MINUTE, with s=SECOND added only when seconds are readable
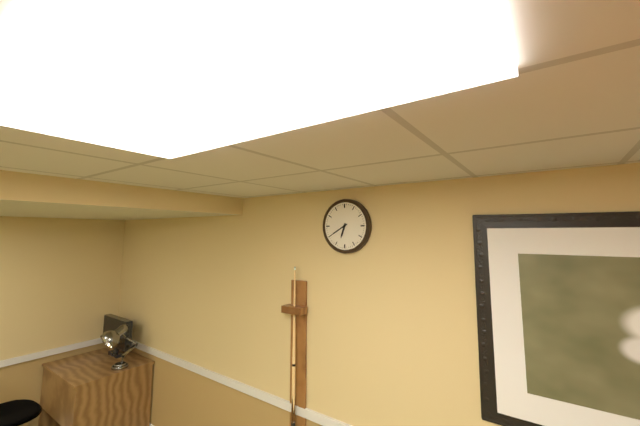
h=6 m=40
